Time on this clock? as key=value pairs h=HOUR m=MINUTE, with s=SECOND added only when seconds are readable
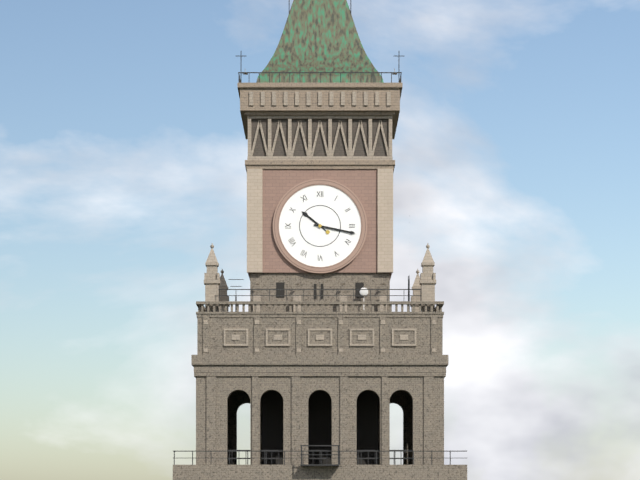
h=10 m=17
